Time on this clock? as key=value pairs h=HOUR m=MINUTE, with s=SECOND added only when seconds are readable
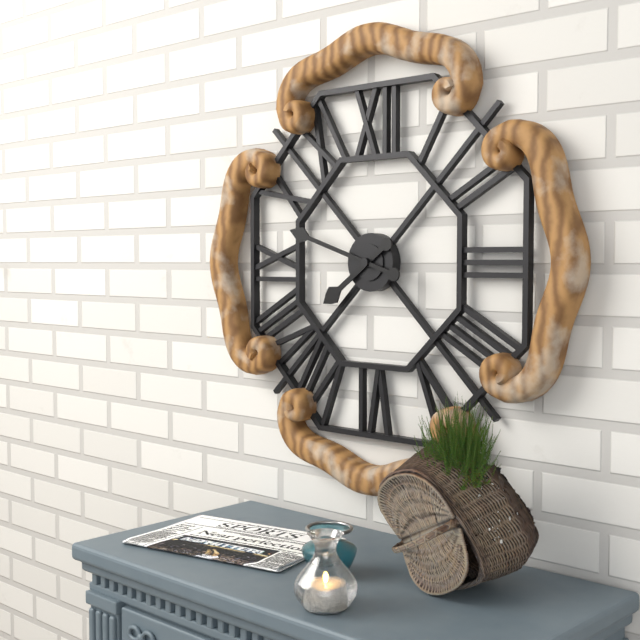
h=7 m=48
